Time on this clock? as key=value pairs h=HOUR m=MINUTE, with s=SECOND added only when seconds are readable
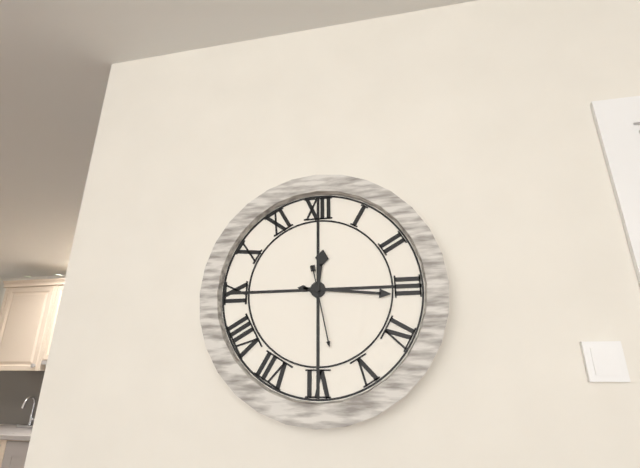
h=12 m=16 s=28
